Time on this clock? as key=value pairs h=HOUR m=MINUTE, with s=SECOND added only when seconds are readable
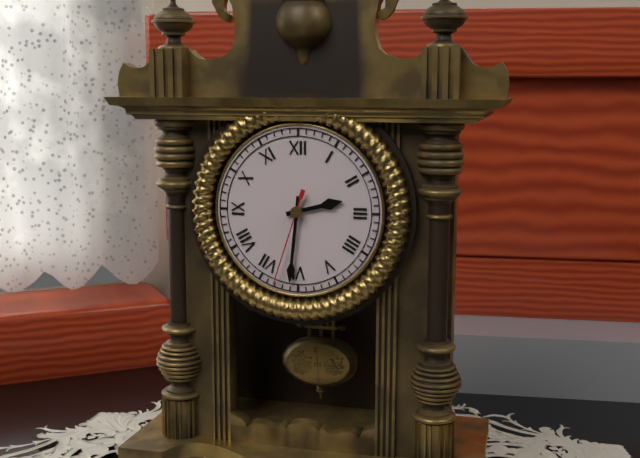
h=2 m=31 s=33
